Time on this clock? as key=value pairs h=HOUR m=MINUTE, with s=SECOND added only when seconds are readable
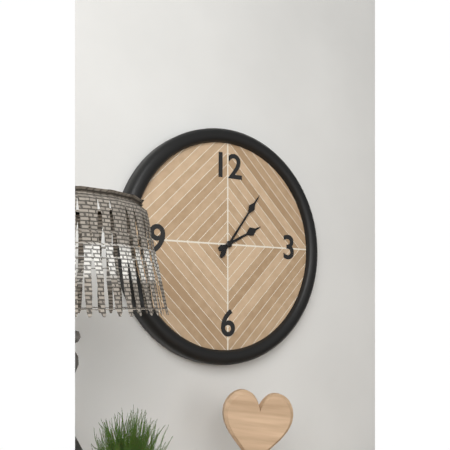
h=2 m=6
